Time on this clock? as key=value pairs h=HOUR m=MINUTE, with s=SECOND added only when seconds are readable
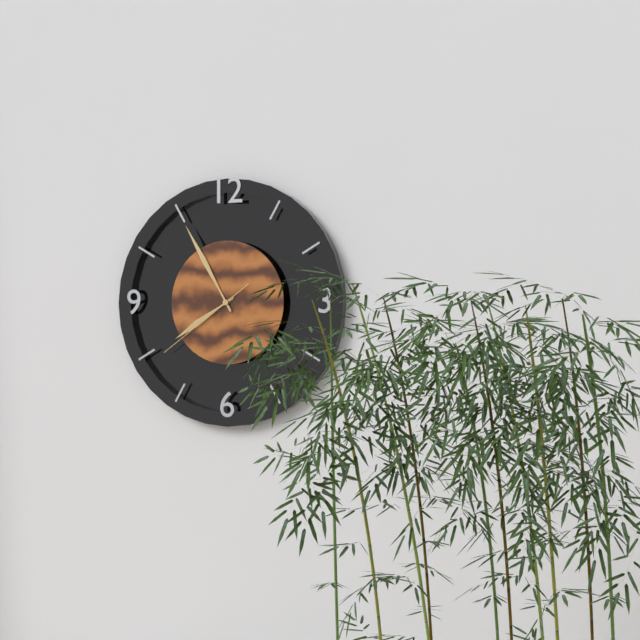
h=7 m=55 s=39
